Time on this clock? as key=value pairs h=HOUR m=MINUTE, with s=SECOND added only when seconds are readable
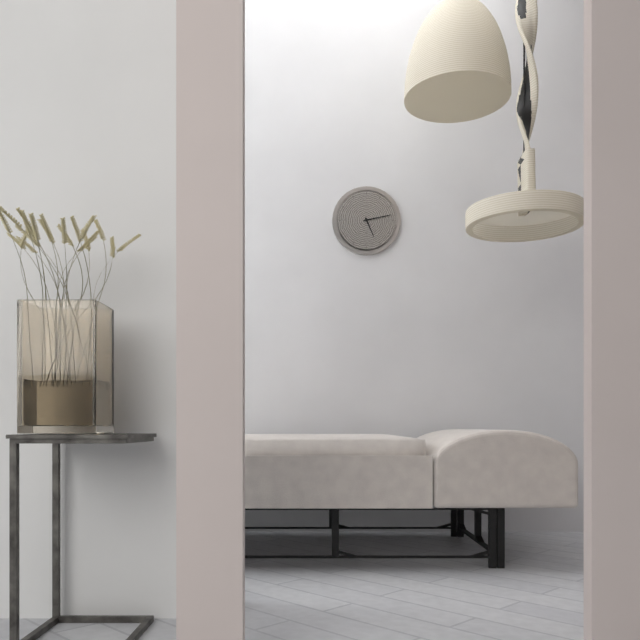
h=5 m=13
